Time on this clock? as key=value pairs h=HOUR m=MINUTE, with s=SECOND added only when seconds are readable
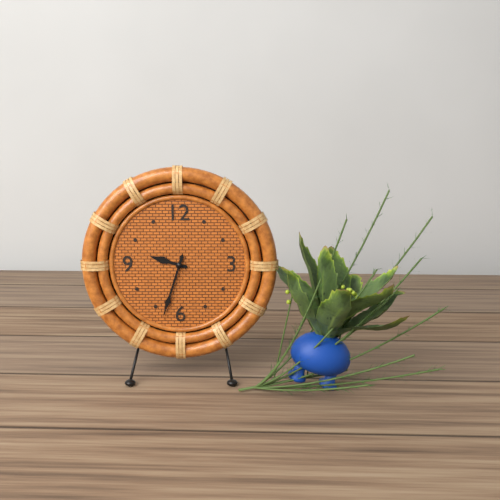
h=9 m=33
